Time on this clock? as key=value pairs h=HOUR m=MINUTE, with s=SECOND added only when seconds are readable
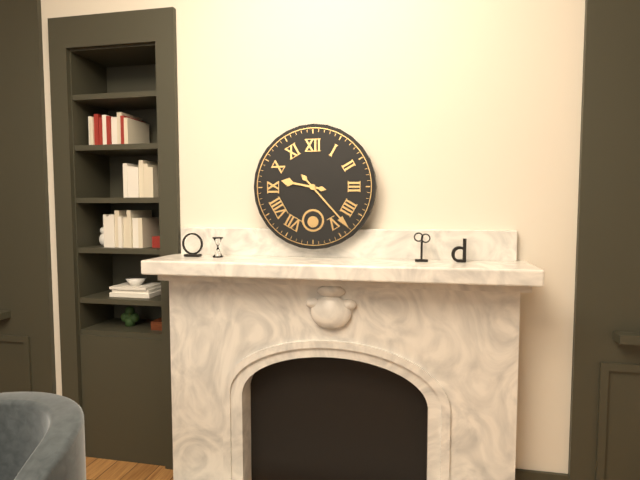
h=9 m=23
